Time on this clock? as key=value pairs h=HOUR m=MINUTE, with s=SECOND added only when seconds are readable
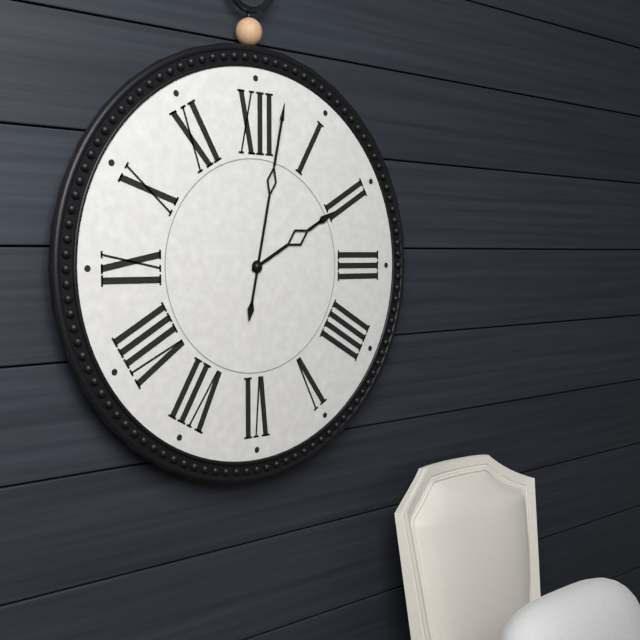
h=2 m=2
